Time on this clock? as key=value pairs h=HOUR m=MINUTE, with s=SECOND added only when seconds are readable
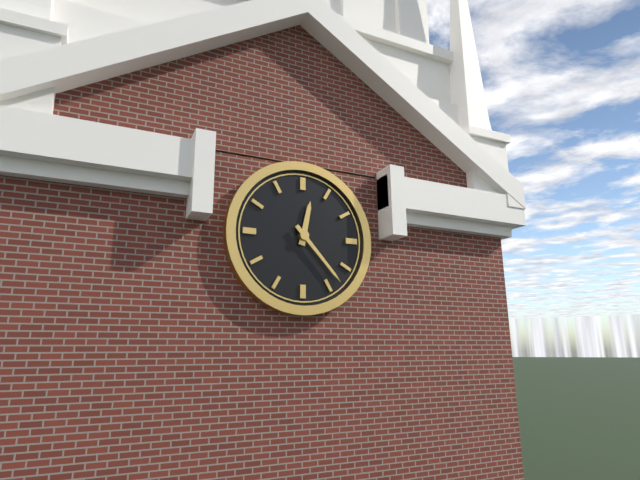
h=12 m=23
